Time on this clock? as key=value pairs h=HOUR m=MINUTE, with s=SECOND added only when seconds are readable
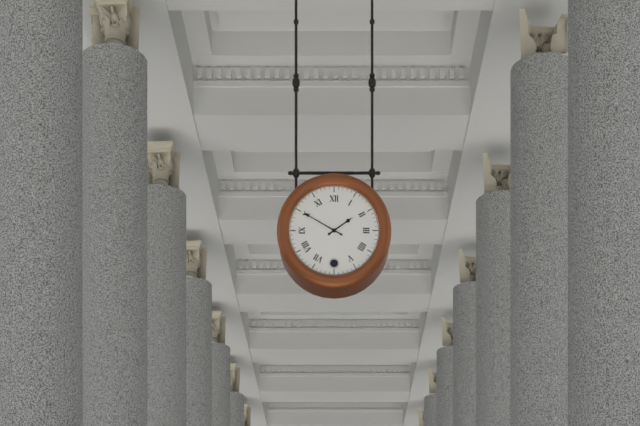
h=1 m=50
